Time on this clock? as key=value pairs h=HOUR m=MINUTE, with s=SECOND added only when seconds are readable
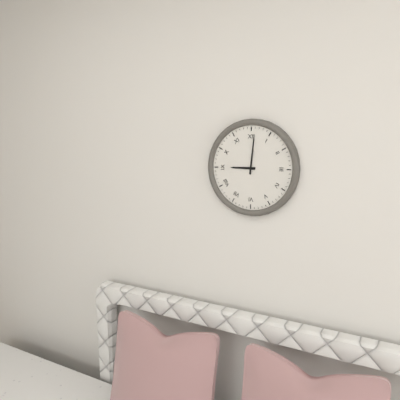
h=9 m=1
